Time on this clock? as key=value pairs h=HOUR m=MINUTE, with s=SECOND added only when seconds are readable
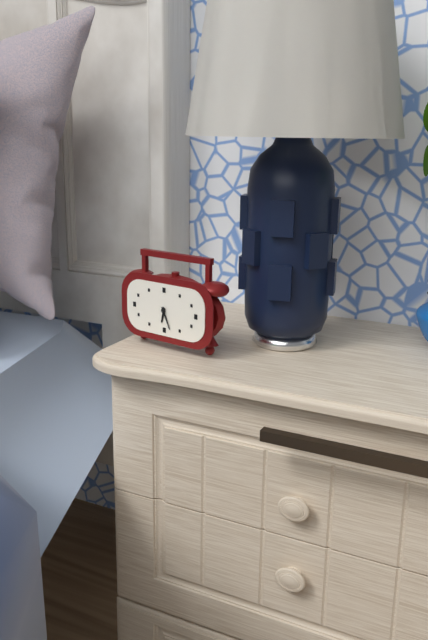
h=6 m=26
